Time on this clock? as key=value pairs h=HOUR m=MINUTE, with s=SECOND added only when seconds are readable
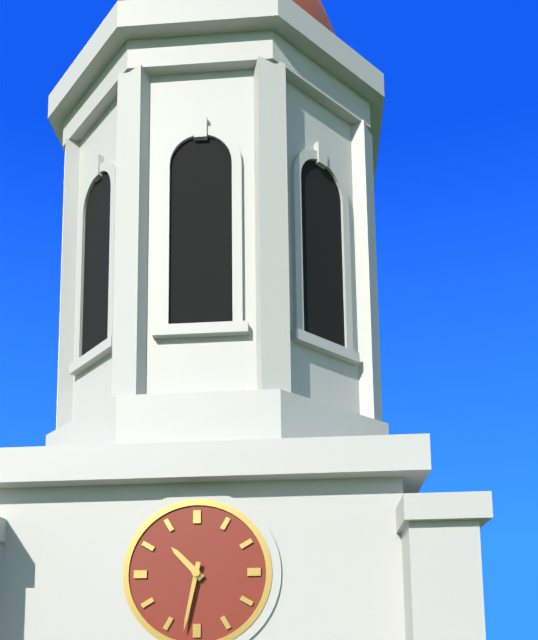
h=10 m=32
